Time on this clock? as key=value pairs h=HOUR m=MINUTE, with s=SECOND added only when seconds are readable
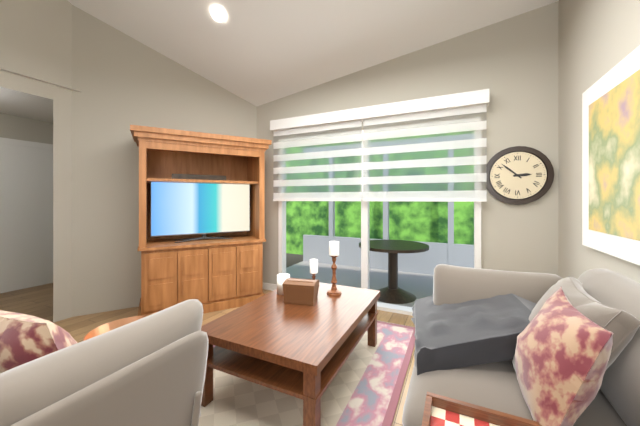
h=2 m=52
